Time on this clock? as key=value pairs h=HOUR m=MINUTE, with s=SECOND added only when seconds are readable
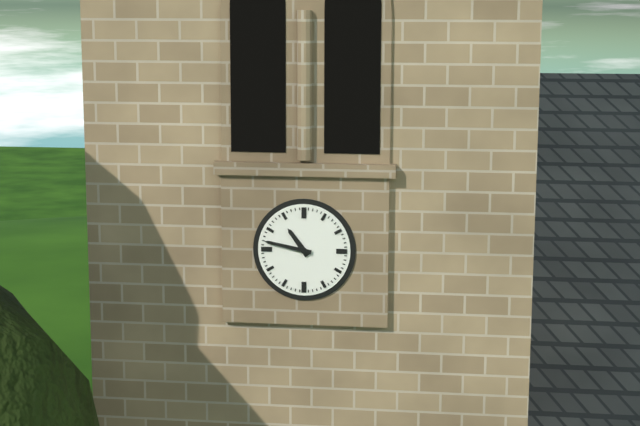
h=10 m=47
